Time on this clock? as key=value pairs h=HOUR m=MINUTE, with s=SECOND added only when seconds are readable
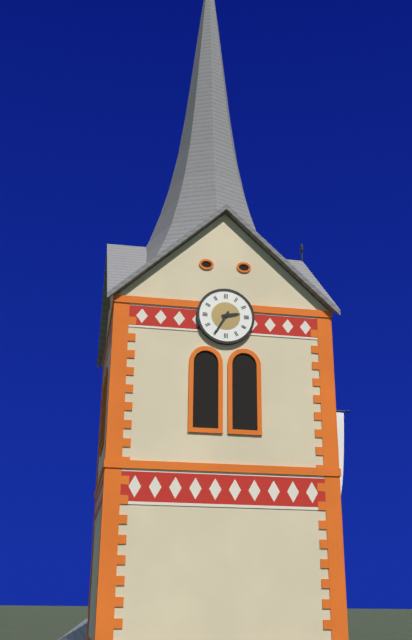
h=2 m=35
